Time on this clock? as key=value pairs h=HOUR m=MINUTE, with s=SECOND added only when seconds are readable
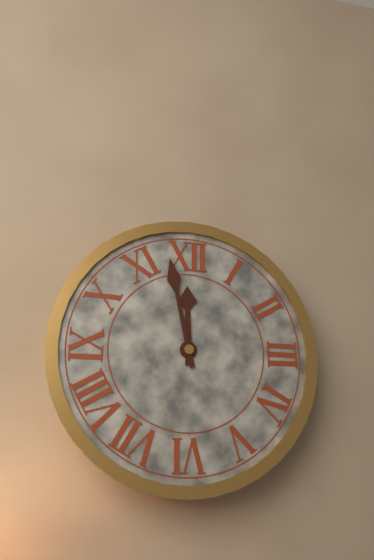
h=11 m=58
